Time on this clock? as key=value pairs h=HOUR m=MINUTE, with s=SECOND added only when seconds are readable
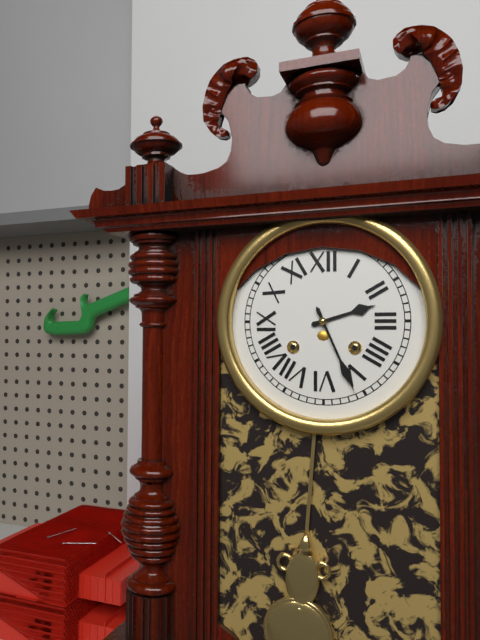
h=2 m=26
